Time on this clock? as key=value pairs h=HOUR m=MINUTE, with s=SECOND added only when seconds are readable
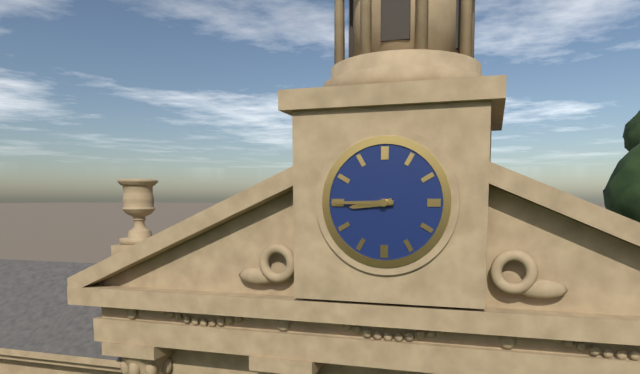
h=8 m=45
